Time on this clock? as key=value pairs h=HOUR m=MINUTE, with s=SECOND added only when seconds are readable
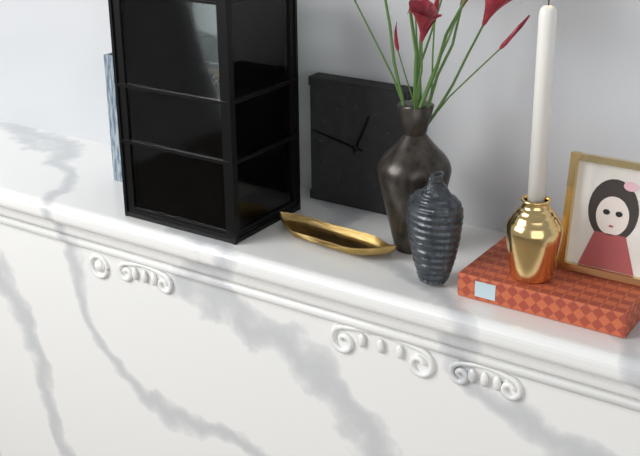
h=12 m=47
